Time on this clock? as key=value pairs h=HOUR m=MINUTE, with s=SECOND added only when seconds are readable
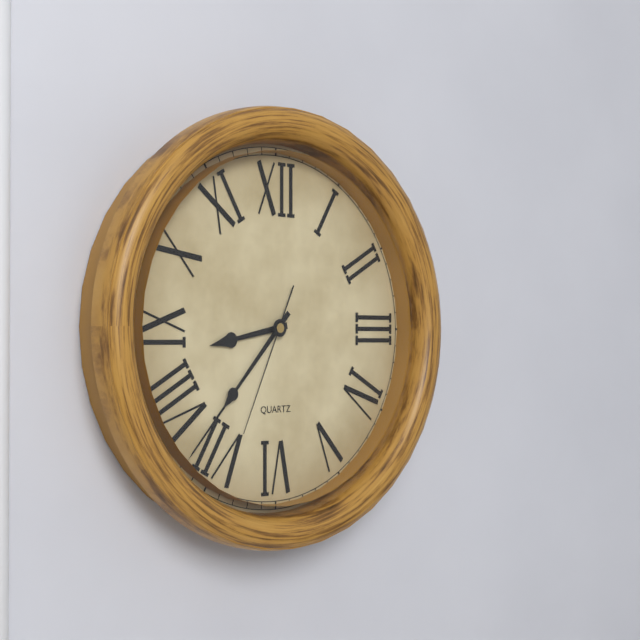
h=8 m=37 s=34
